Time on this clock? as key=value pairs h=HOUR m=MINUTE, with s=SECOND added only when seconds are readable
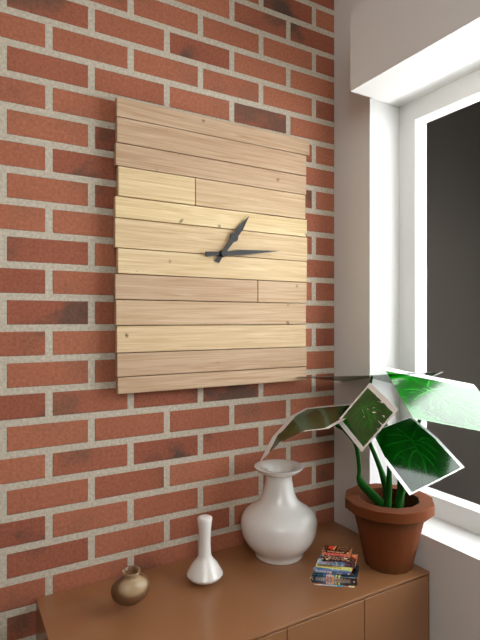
h=1 m=14
